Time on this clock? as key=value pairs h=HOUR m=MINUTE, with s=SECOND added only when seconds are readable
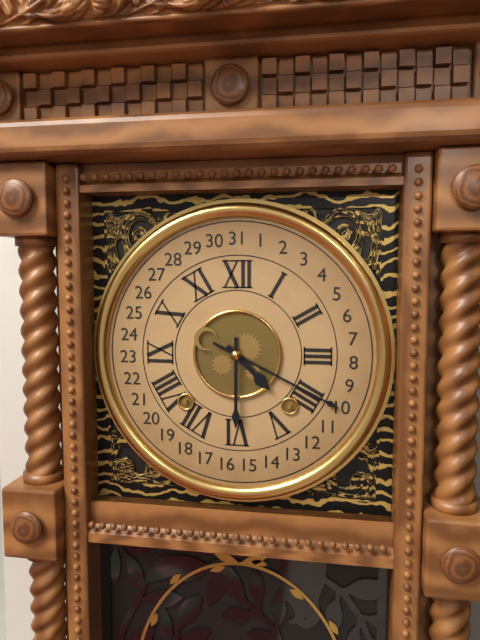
h=4 m=30
